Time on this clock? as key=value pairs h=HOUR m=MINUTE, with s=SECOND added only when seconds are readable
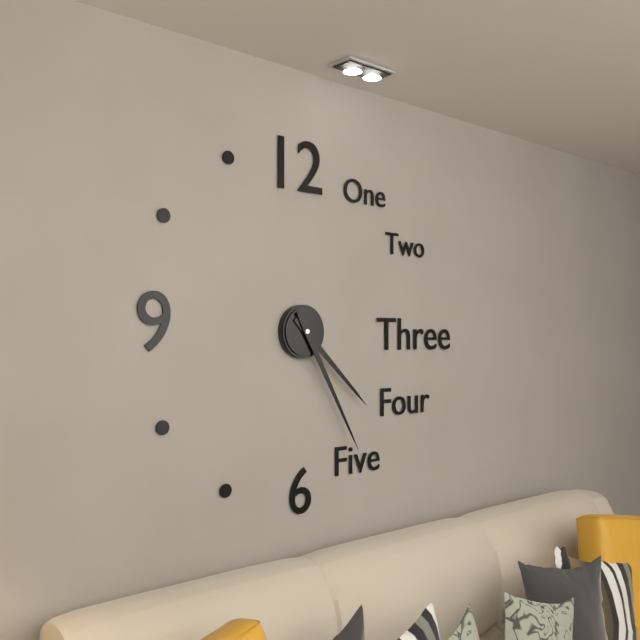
h=4 m=25
